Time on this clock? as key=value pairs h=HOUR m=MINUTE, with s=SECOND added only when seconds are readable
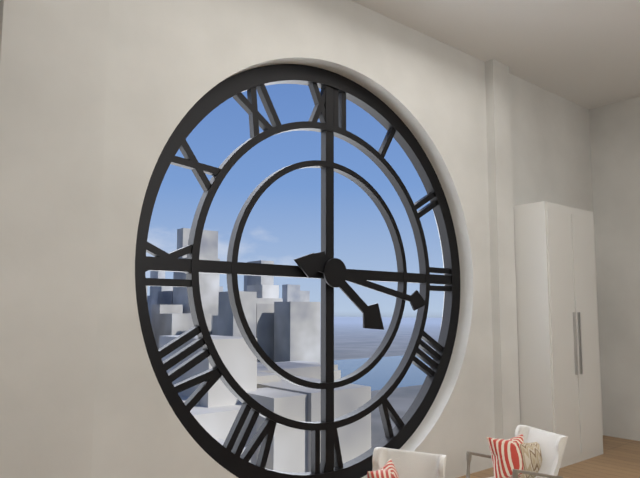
h=4 m=17
